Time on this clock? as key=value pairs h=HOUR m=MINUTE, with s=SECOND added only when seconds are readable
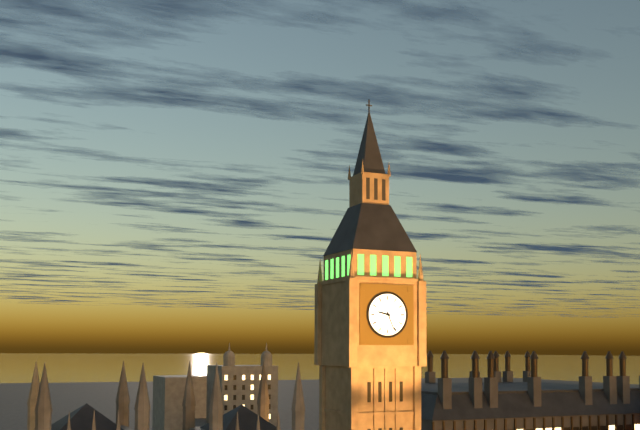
h=9 m=26
